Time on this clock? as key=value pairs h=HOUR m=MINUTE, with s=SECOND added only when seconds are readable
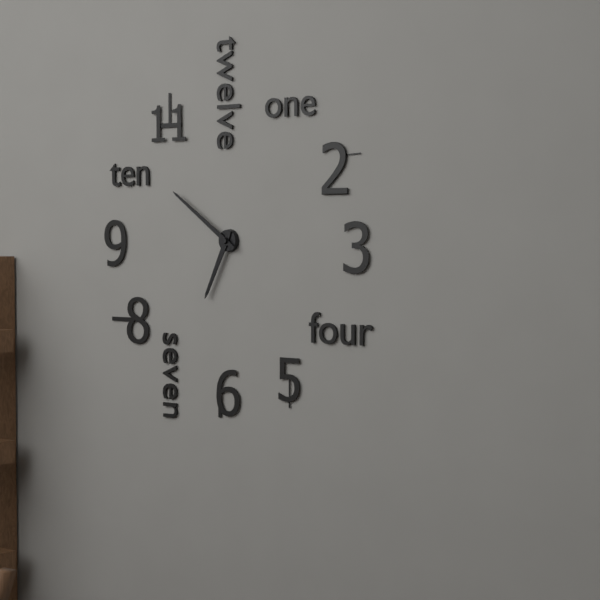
h=6 m=51
